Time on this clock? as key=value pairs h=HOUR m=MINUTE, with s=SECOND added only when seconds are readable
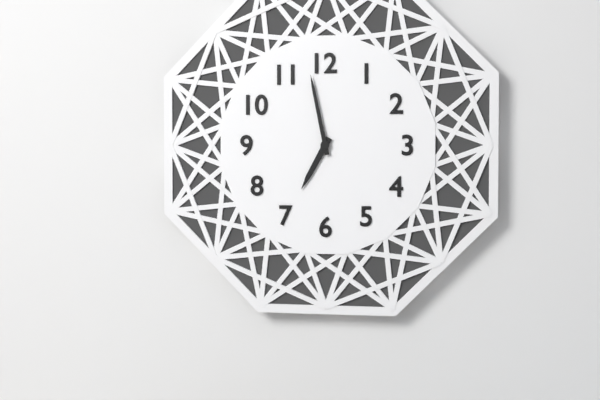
h=6 m=58
